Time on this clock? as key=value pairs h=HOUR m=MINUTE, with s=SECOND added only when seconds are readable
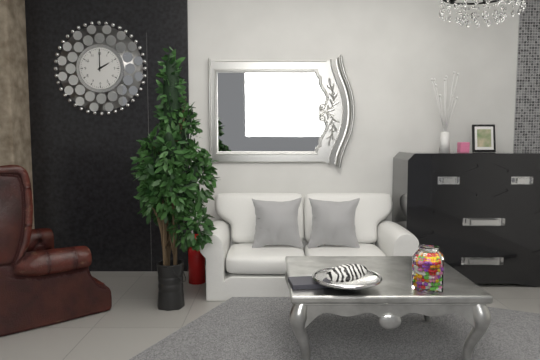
h=2 m=0
